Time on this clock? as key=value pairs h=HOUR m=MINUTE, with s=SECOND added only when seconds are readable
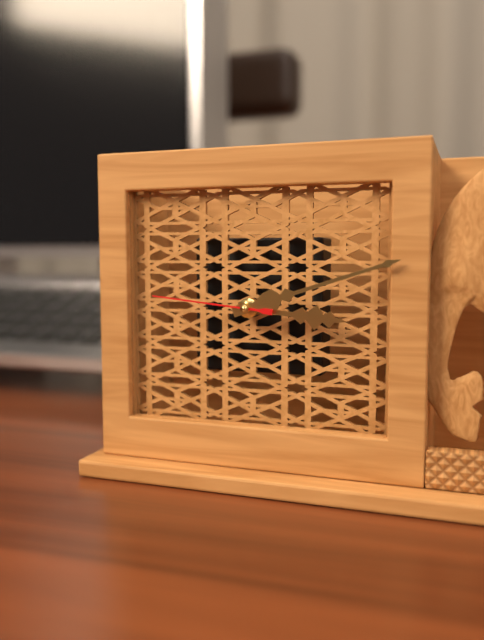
h=3 m=12 s=46
